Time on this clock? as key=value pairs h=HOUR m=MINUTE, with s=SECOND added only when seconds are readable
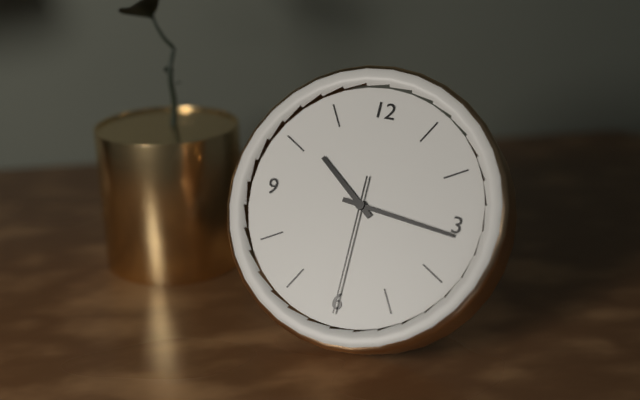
h=10 m=16 s=30
